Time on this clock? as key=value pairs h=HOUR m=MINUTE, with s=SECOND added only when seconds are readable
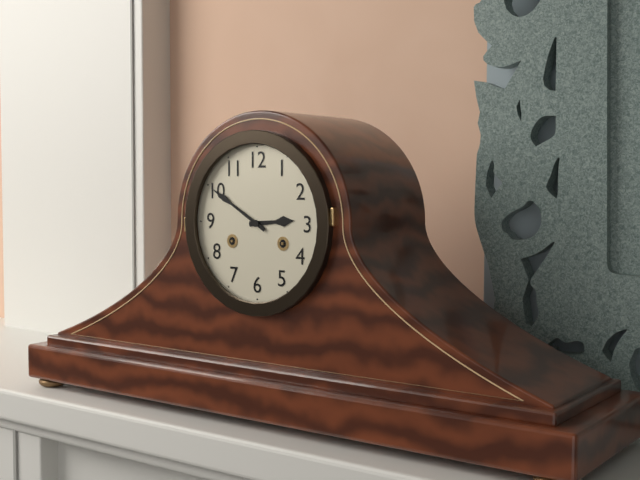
h=2 m=50
